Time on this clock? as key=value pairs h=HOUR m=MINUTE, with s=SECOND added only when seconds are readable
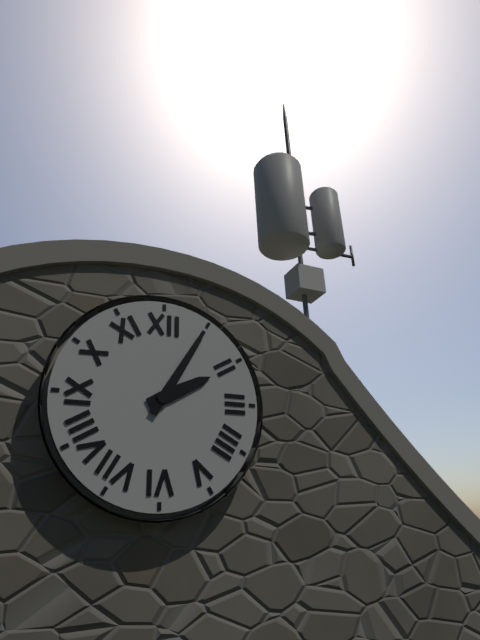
h=2 m=5
